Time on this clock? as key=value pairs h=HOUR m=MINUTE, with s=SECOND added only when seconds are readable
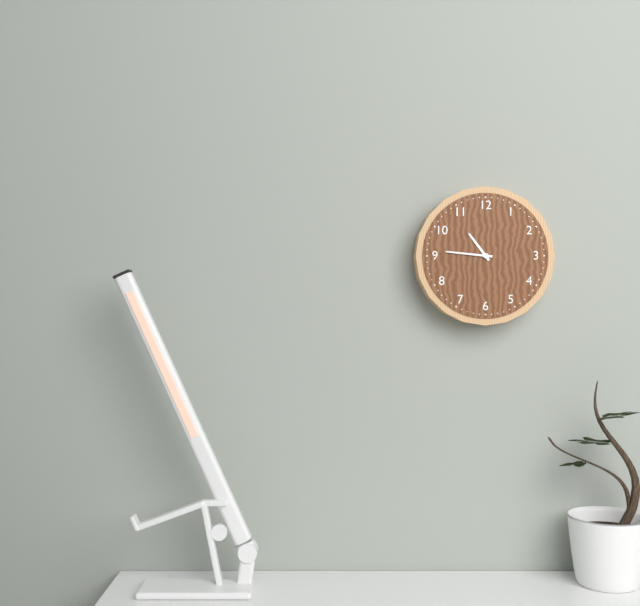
h=10 m=46
